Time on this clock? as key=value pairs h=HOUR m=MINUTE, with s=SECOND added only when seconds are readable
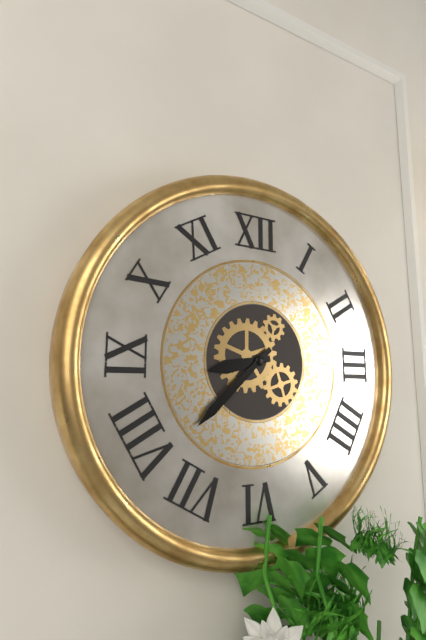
h=8 m=38
